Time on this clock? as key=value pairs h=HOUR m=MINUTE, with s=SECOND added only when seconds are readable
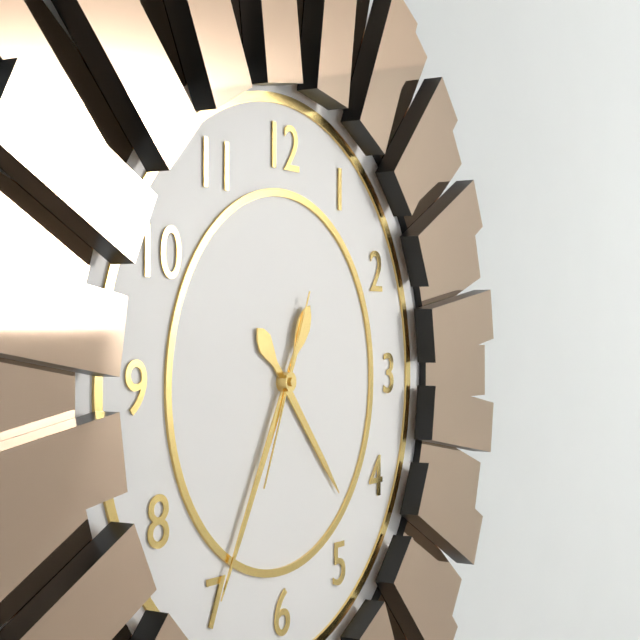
h=4 m=35 s=34
